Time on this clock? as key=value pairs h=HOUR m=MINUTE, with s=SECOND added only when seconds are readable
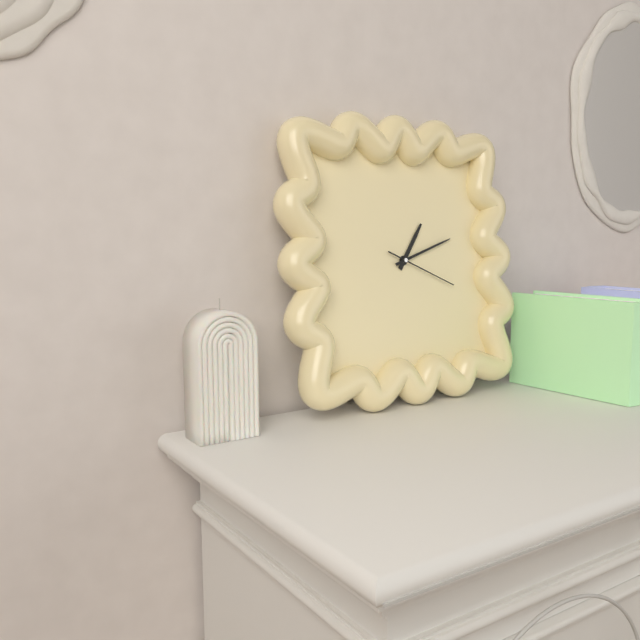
h=1 m=12 s=19
